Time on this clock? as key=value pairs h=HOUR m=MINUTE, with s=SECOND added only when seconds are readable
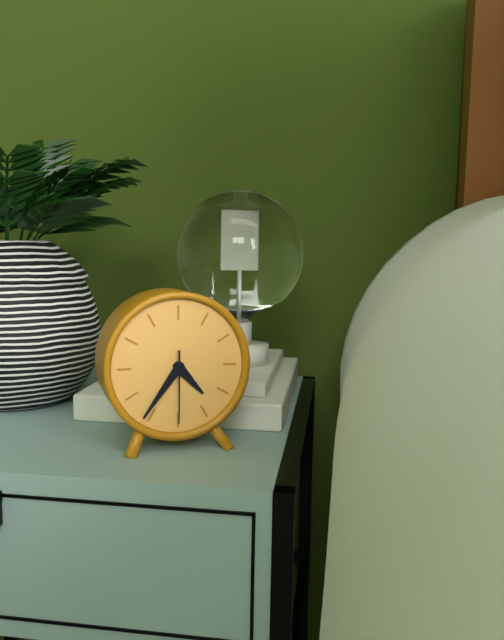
h=4 m=36 s=30
